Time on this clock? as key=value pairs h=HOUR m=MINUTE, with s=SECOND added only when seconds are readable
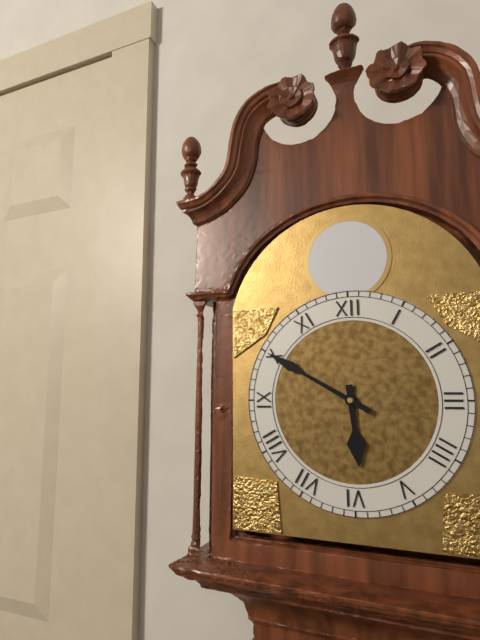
h=5 m=50
